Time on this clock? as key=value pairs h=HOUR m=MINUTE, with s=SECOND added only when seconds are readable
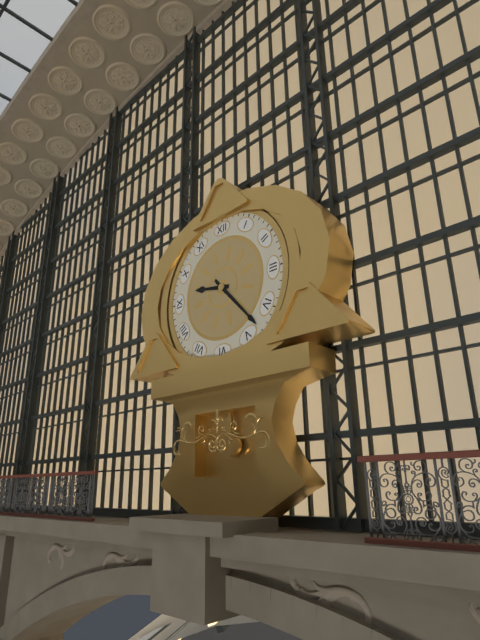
h=9 m=23
